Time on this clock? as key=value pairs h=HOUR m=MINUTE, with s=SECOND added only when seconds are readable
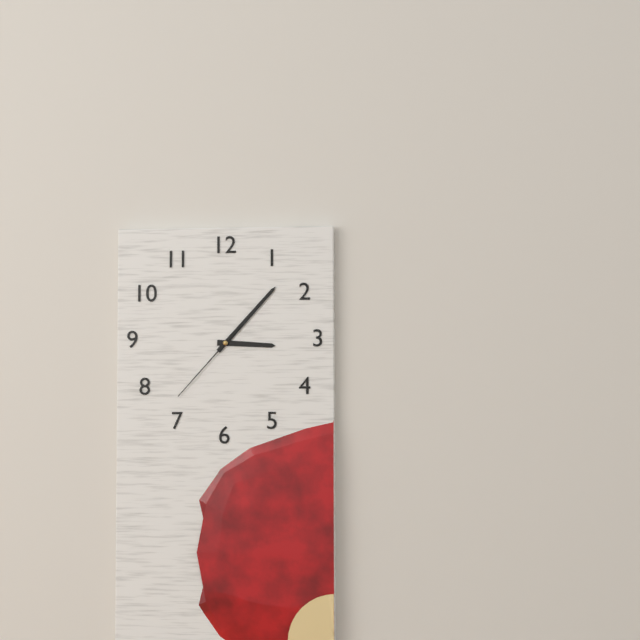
h=3 m=7 s=37
